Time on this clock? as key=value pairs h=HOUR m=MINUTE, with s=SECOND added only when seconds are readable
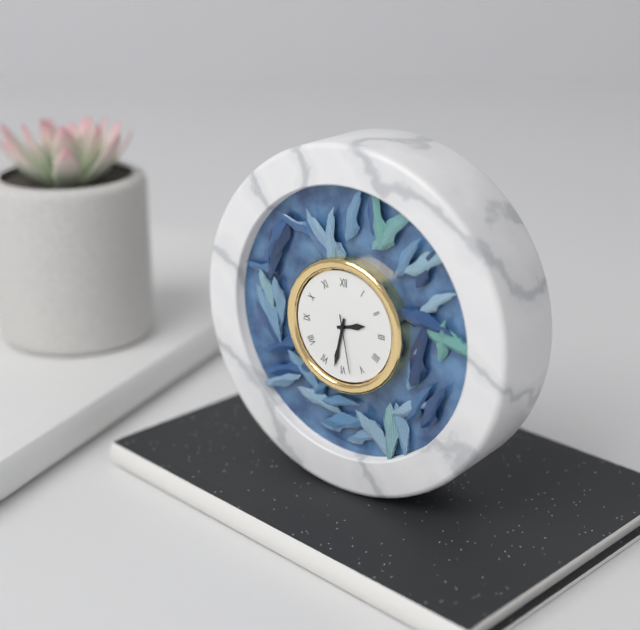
h=2 m=32 s=28
